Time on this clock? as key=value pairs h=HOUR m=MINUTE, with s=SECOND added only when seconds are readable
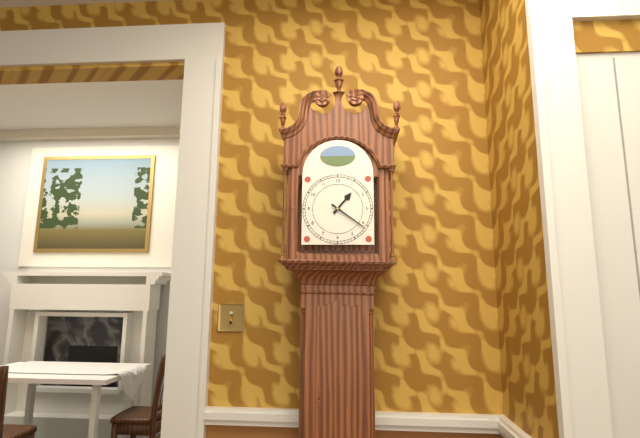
h=1 m=21
